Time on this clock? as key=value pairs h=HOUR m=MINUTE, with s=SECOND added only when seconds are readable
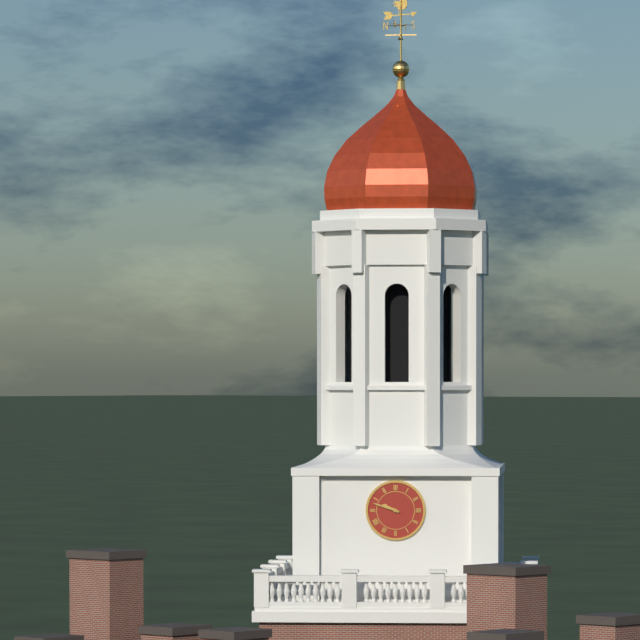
h=9 m=48
